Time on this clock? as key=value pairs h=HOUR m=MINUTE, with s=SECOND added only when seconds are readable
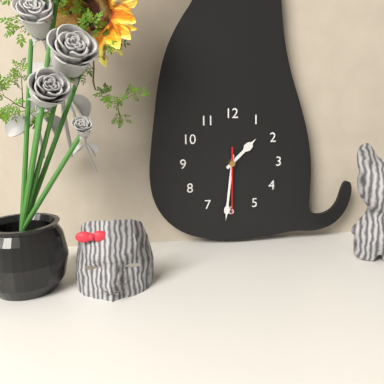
h=1 m=31 s=30
